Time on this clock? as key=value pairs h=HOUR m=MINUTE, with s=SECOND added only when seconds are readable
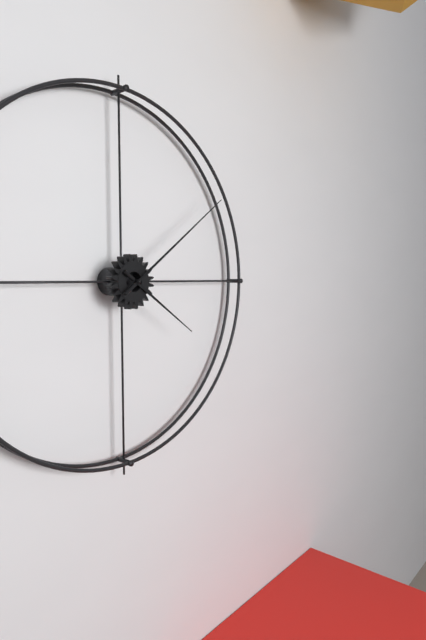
h=4 m=9
